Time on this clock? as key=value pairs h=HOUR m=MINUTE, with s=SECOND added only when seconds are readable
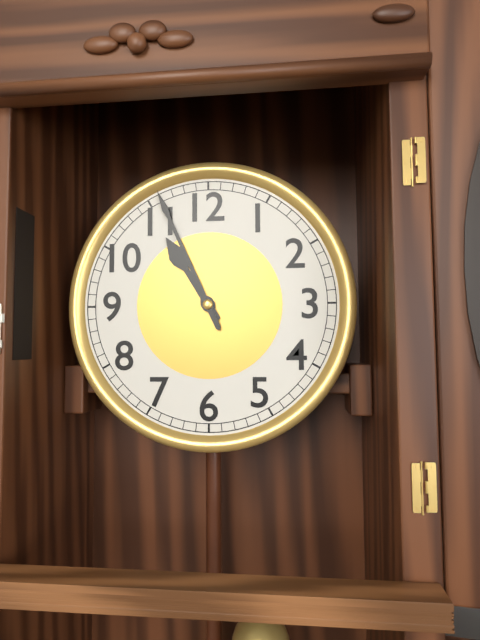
h=10 m=56
